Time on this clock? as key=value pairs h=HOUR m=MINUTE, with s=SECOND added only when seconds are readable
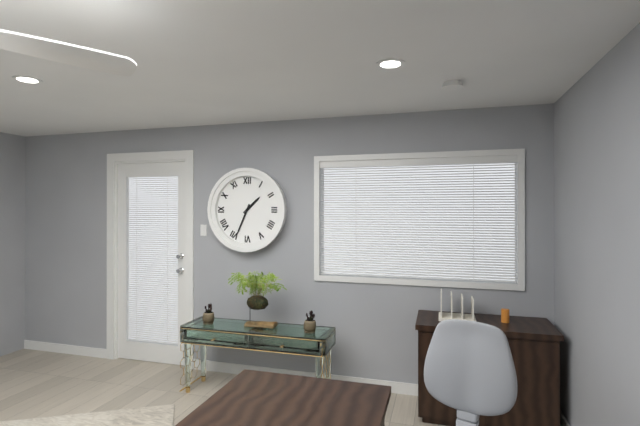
h=1 m=34
